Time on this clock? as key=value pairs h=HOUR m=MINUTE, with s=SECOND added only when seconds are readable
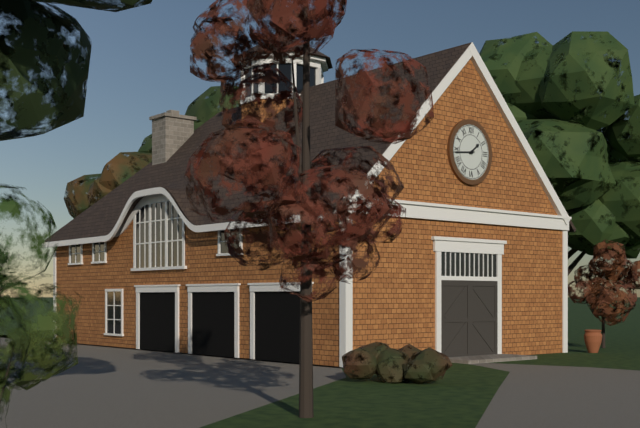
h=1 m=44
